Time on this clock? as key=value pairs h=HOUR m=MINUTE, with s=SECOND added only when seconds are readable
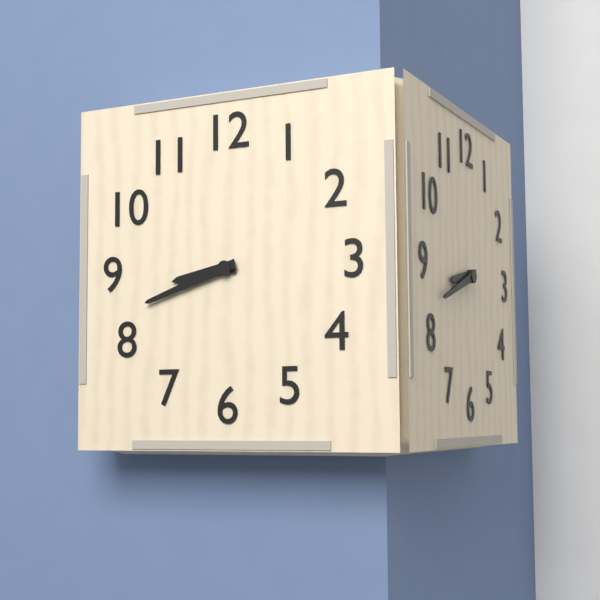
h=8 m=42
